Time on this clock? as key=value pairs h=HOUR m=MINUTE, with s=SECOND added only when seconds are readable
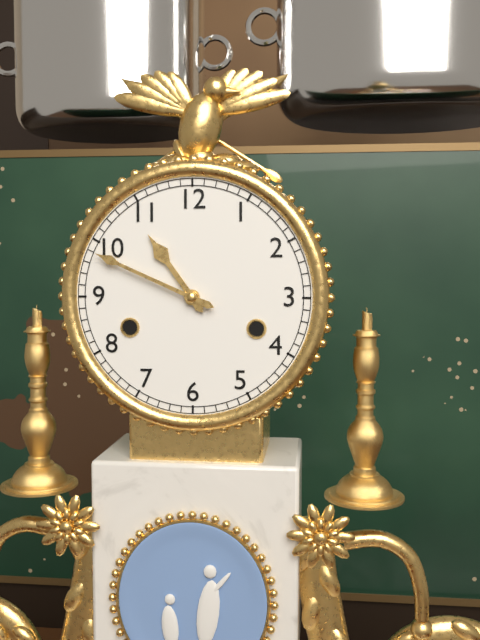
h=10 m=49
